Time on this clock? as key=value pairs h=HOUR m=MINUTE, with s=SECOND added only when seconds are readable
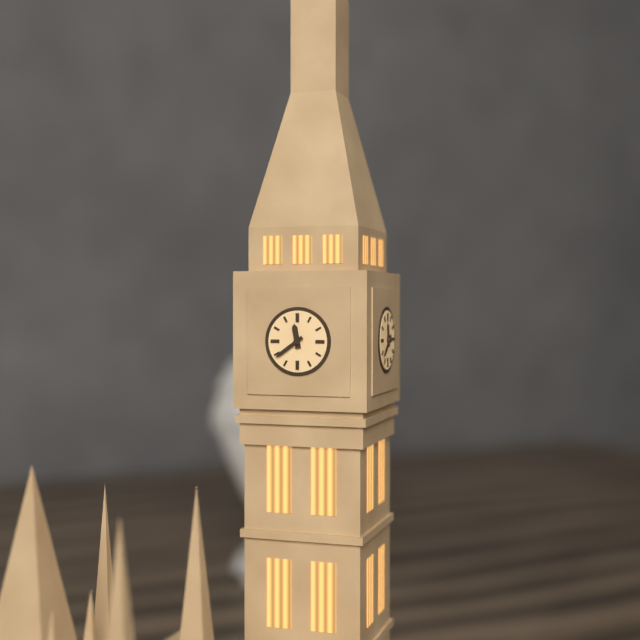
h=11 m=39
